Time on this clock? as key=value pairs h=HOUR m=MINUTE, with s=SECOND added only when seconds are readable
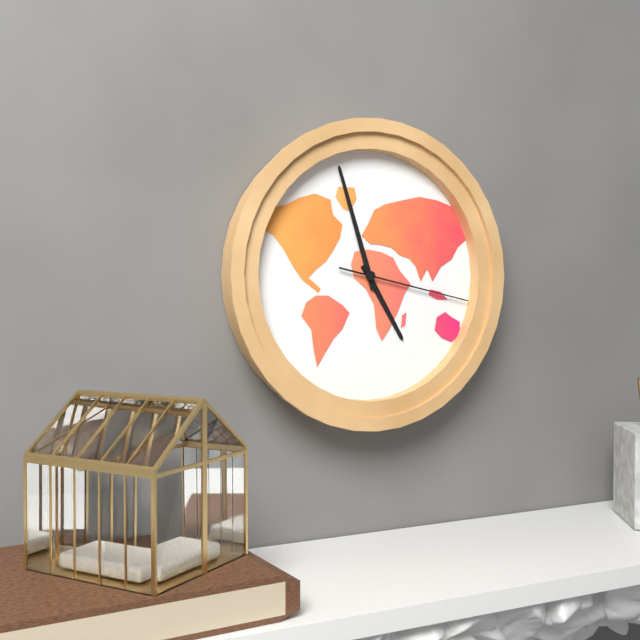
h=4 m=57 s=17
